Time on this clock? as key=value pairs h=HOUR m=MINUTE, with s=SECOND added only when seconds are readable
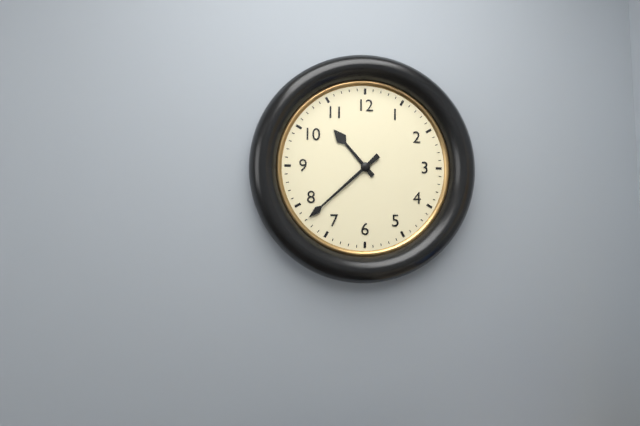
h=10 m=38
